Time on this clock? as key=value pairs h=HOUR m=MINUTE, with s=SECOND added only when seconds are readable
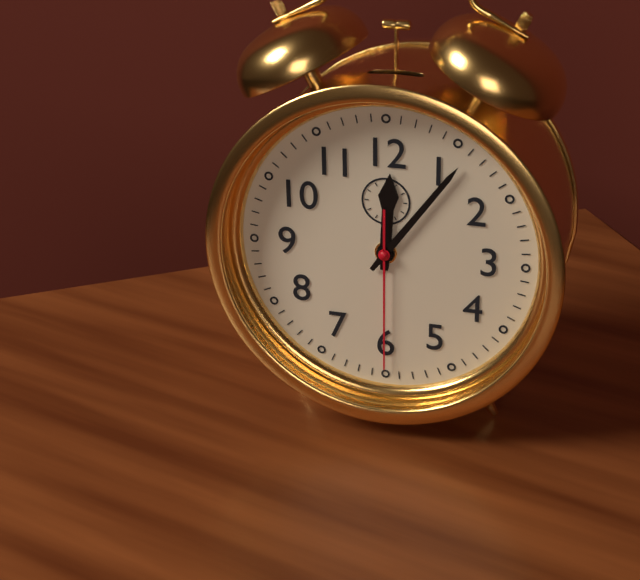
h=12 m=6 s=30
